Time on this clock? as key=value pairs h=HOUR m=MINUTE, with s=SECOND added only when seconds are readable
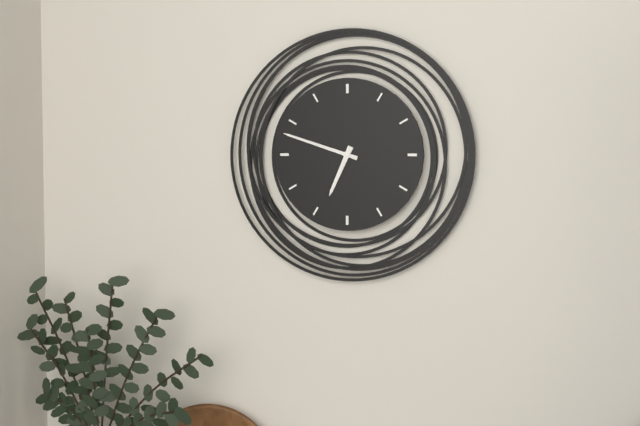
h=6 m=48
